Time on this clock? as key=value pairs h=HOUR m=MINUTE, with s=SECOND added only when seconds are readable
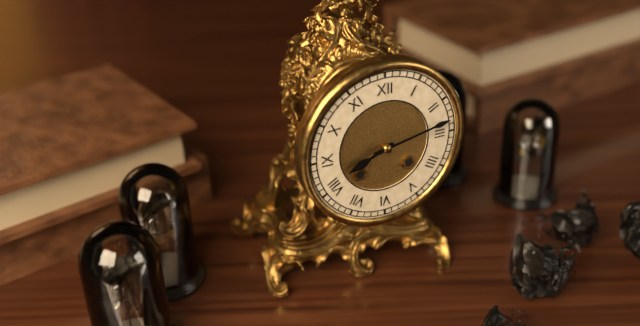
h=8 m=13
